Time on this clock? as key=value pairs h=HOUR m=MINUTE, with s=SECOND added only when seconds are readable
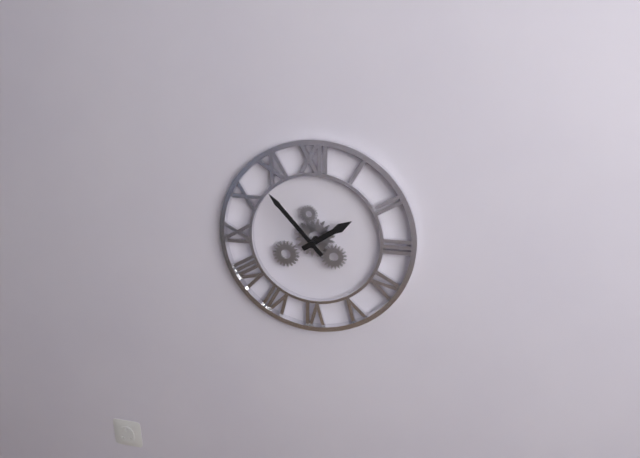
h=1 m=53
